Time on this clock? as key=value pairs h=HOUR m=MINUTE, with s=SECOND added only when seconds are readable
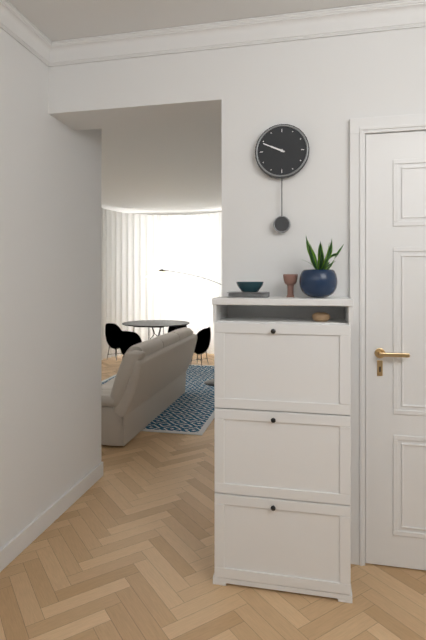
h=9 m=49
